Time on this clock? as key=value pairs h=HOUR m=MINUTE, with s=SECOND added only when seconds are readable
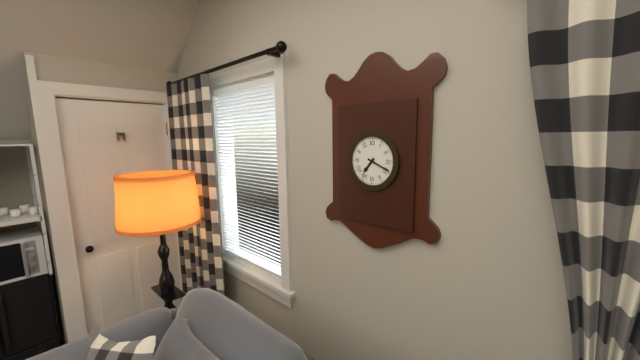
h=7 m=19
